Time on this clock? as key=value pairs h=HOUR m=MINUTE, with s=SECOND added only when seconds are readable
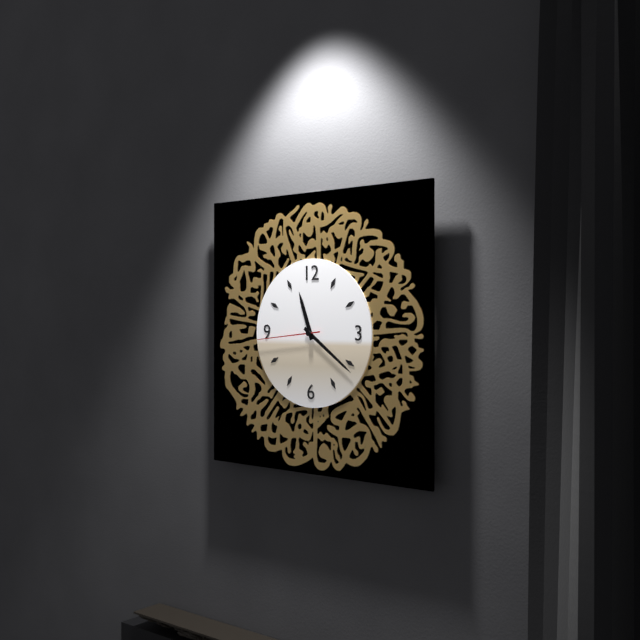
h=11 m=21 s=44
